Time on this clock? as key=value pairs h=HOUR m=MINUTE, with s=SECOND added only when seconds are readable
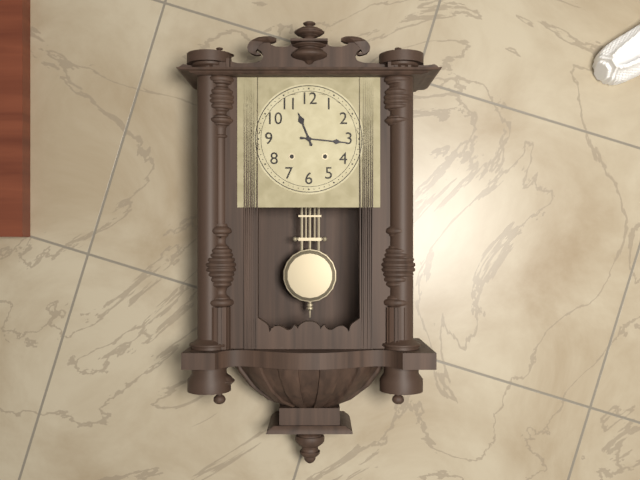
h=11 m=16
